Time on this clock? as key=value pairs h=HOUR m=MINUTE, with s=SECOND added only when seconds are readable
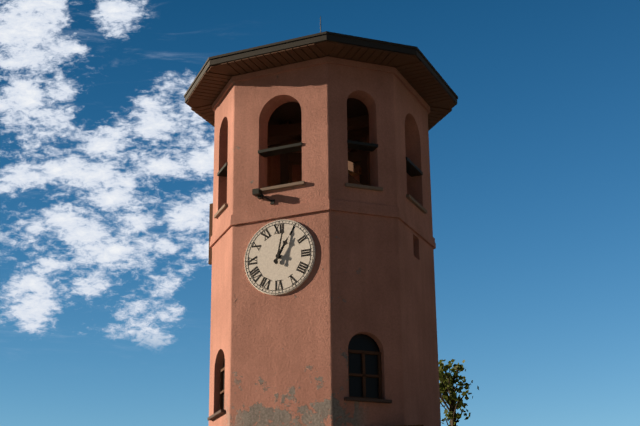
h=1 m=2
